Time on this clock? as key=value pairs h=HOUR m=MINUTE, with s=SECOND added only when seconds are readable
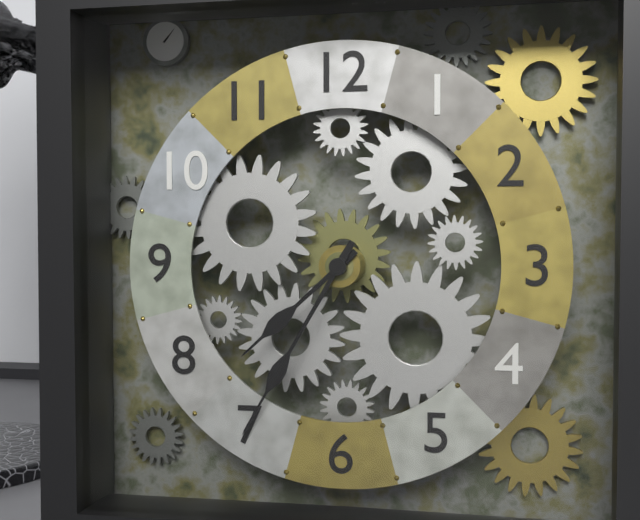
h=7 m=35
